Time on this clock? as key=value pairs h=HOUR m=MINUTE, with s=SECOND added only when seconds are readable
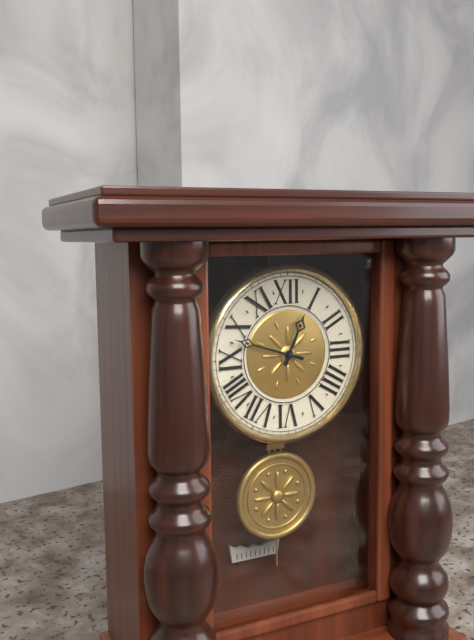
h=12 m=48
